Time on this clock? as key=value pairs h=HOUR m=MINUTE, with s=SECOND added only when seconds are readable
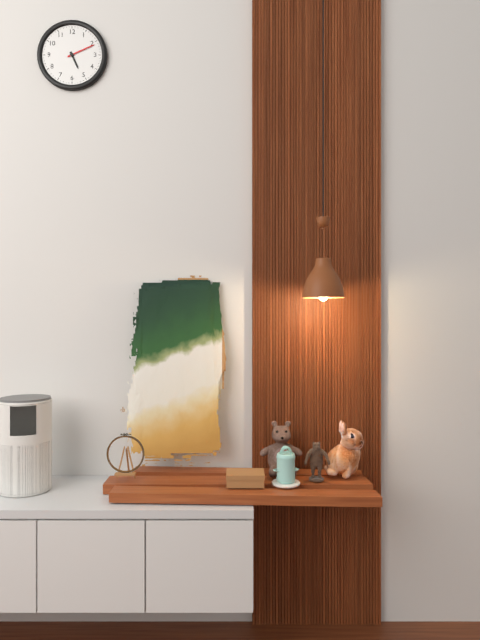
h=5 m=11
